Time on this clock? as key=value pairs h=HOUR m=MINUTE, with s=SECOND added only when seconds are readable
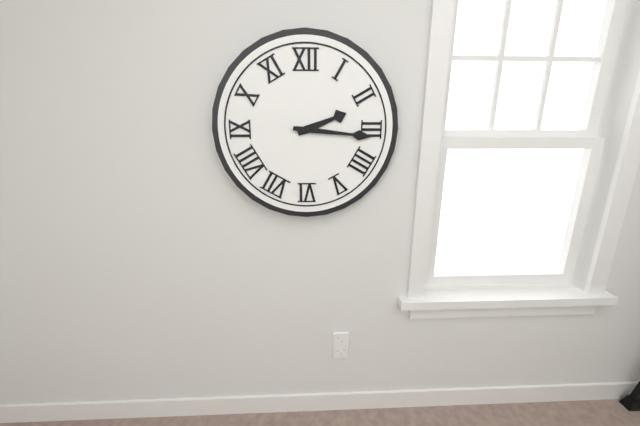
h=2 m=16
